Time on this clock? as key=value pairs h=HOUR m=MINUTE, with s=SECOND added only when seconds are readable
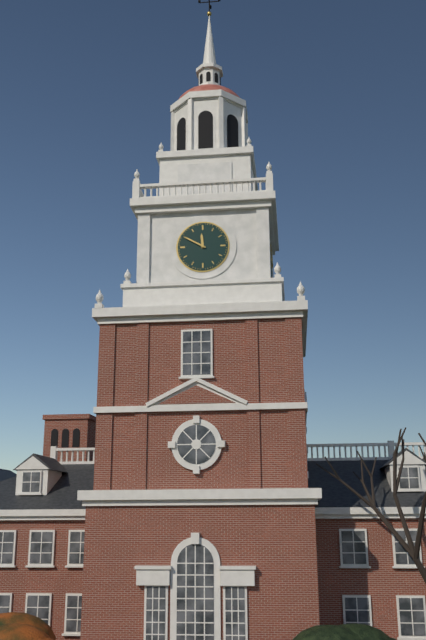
h=11 m=50
